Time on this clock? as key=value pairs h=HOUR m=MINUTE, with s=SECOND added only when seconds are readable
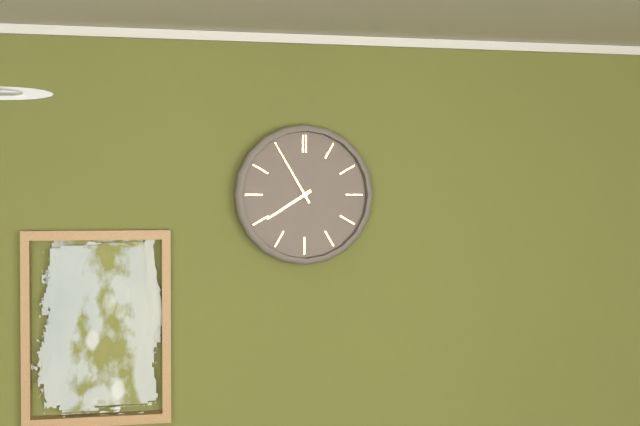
h=7 m=55
